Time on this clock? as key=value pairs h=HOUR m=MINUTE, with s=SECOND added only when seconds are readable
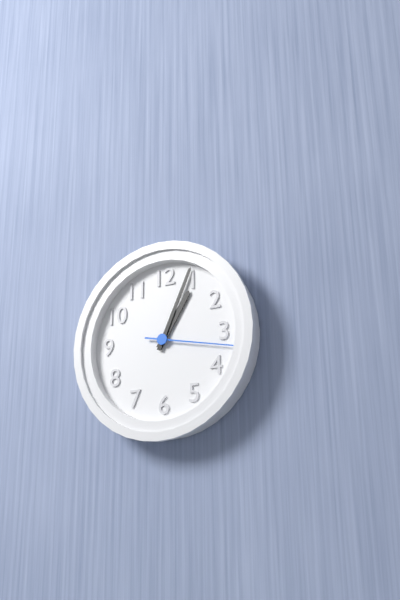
h=1 m=4 s=17
